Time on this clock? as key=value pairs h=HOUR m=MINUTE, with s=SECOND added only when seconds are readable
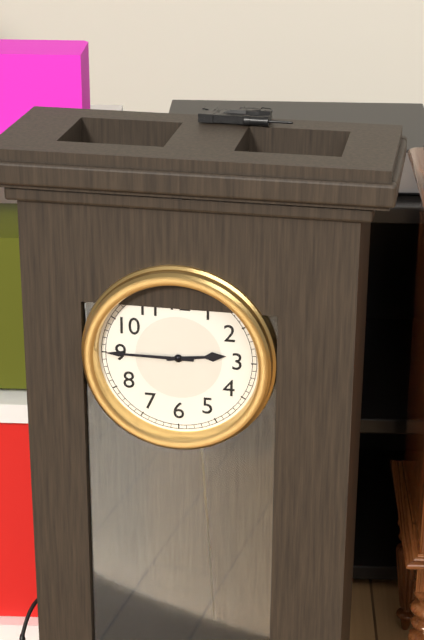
h=2 m=45
